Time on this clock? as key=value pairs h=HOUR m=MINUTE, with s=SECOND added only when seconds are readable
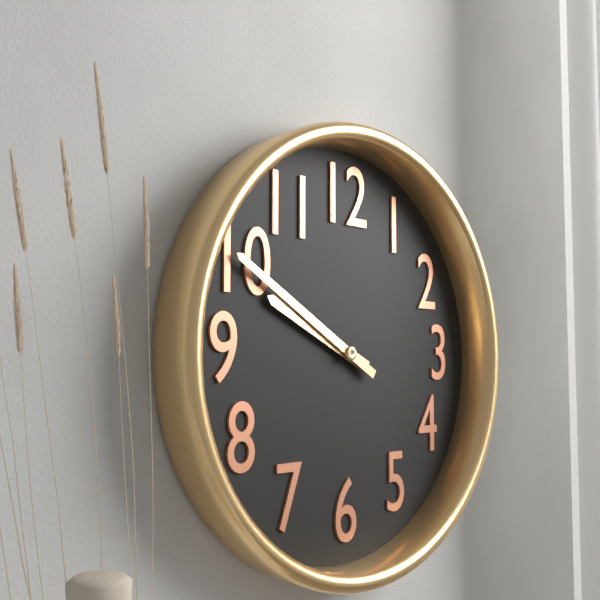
h=9 m=50
